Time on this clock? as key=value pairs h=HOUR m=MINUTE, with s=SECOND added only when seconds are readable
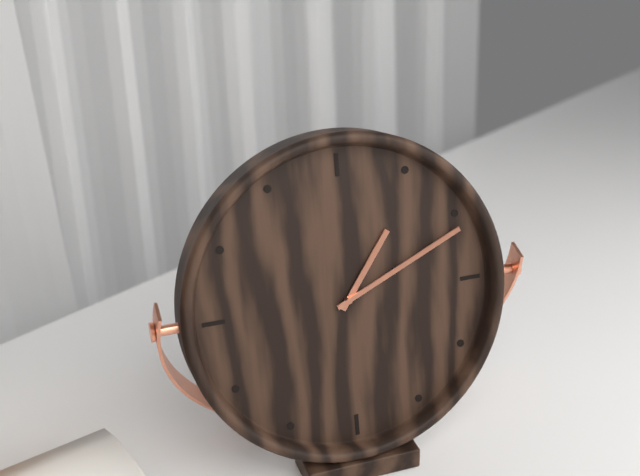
h=1 m=11
